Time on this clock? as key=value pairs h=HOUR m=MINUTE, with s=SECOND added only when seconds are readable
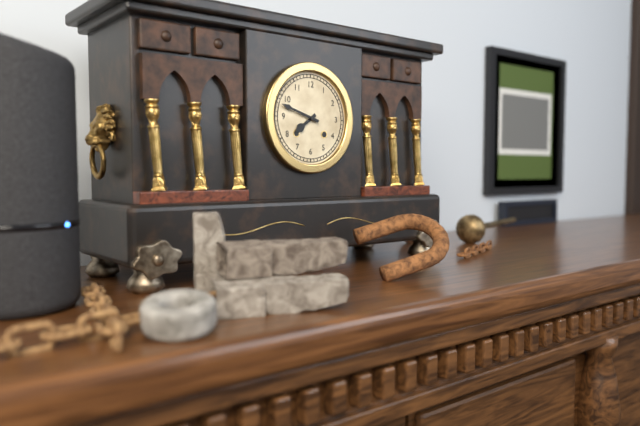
h=7 m=48
